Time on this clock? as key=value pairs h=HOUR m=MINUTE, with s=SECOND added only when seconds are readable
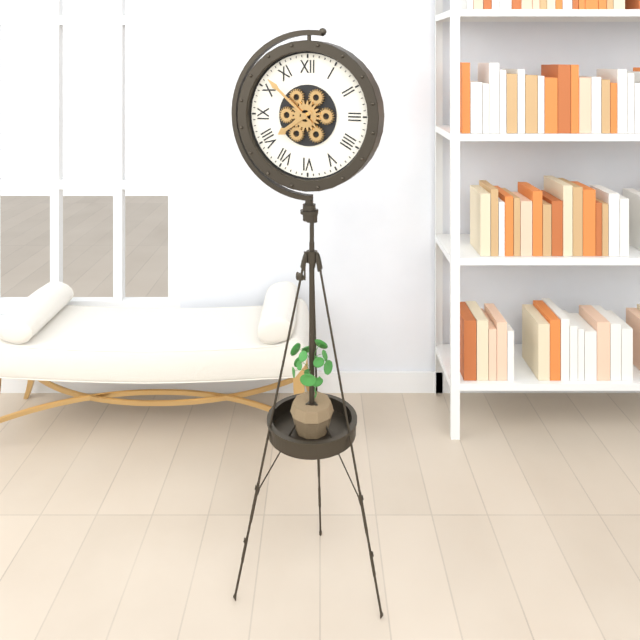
h=7 m=52
